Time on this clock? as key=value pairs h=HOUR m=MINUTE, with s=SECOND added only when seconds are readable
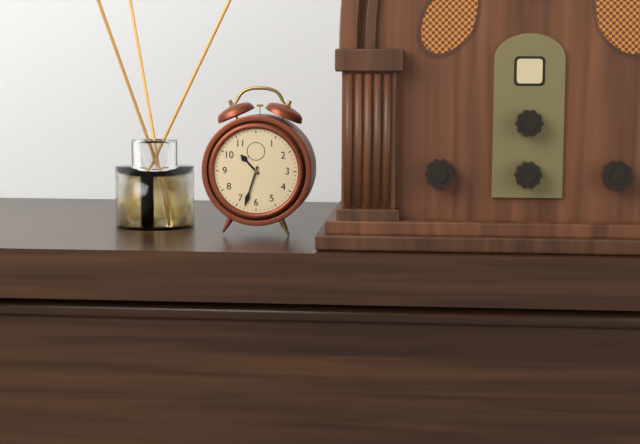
h=10 m=33
